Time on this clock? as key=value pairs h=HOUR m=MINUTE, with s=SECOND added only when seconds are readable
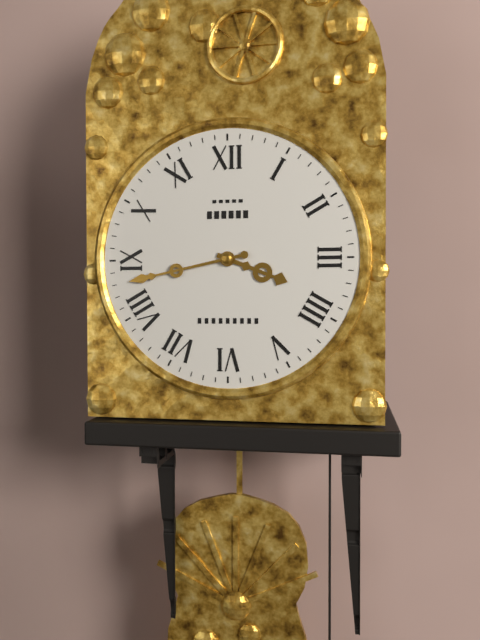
h=3 m=43
